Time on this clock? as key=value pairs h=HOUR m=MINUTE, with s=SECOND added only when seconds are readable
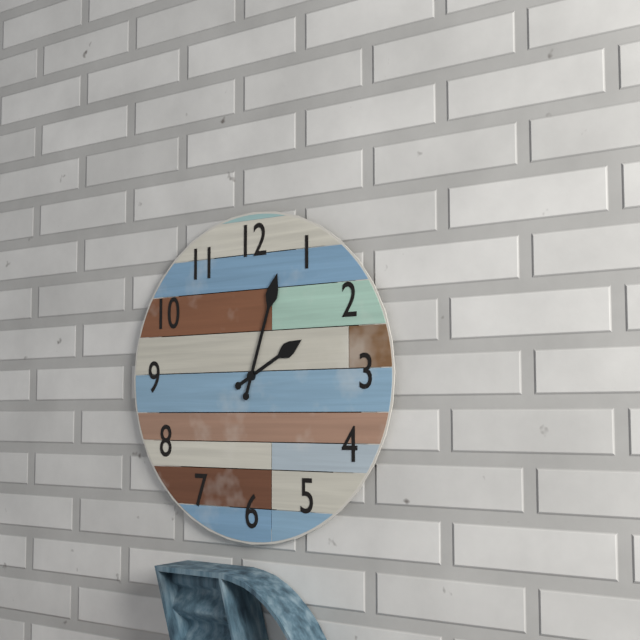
h=2 m=3
